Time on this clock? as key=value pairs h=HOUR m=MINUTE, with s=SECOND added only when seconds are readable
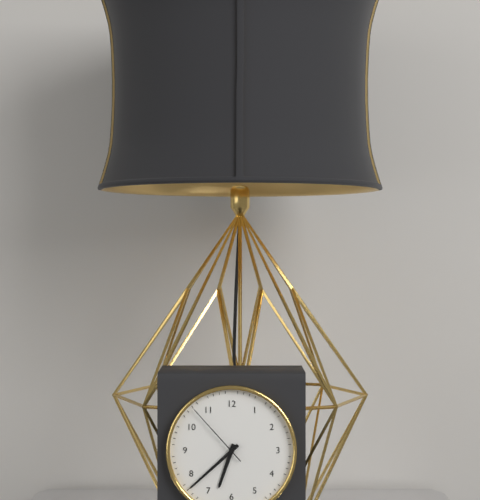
h=6 m=38 s=53
